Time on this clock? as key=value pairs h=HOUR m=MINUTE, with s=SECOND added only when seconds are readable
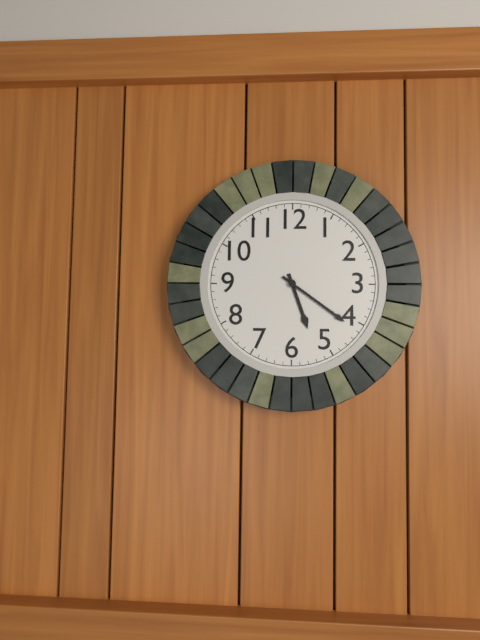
h=5 m=21
